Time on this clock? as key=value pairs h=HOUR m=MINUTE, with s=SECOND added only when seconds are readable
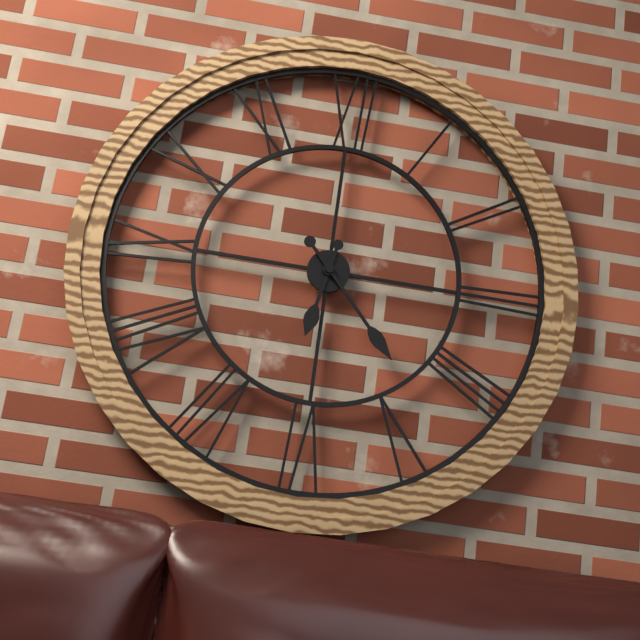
h=6 m=23
